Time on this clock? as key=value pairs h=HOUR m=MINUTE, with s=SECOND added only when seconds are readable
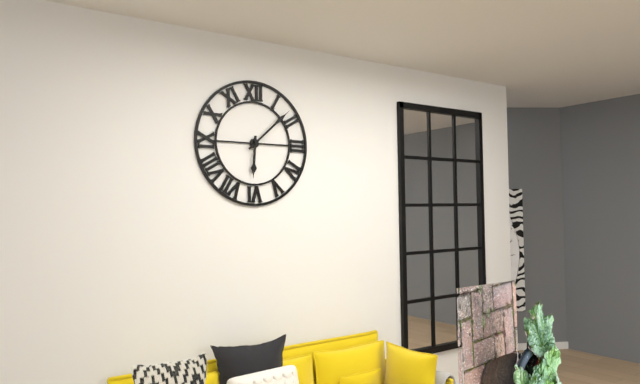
h=6 m=8
